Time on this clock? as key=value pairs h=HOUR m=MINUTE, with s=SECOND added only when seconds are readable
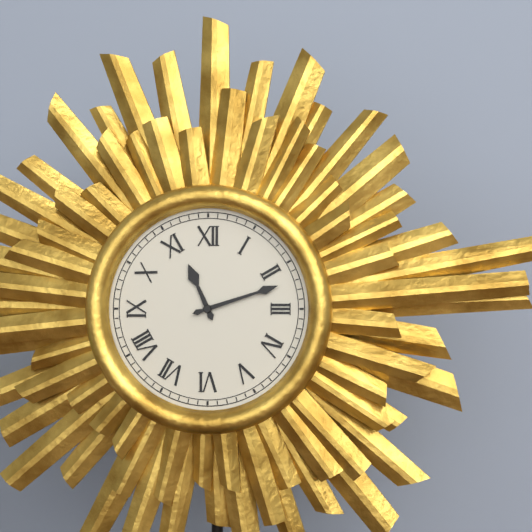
h=11 m=12
